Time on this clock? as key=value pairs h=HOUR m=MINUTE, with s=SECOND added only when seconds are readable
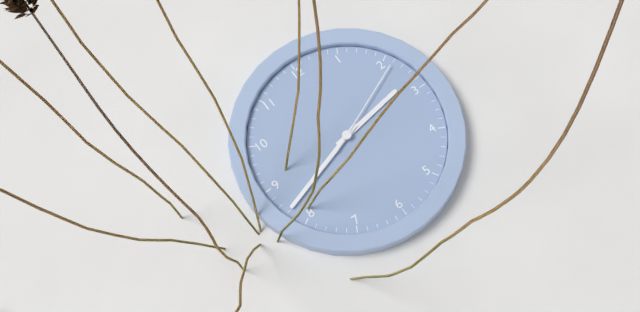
h=2 m=42 s=11
